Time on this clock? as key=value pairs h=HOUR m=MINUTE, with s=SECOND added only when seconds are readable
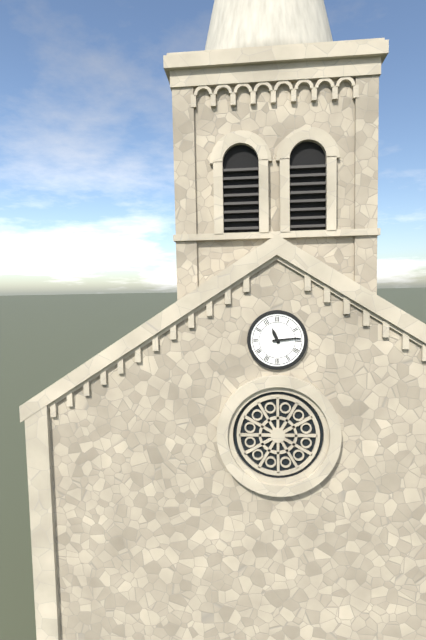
h=11 m=14
